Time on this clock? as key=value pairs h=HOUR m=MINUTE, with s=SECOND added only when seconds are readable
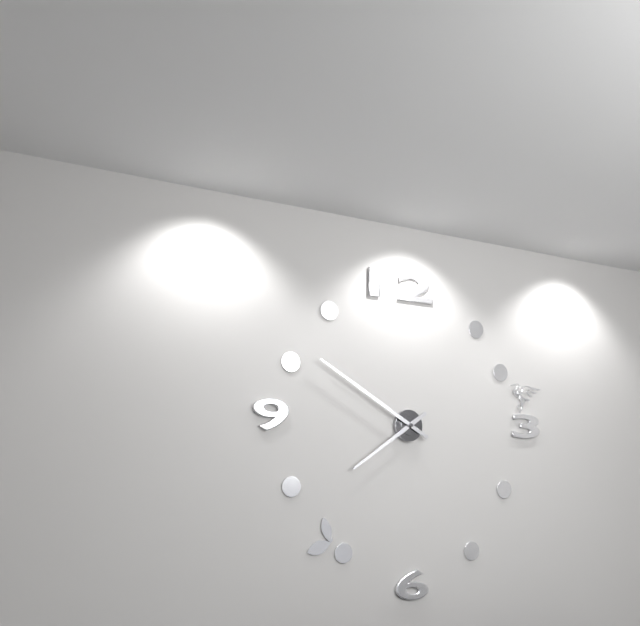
h=7 m=50
